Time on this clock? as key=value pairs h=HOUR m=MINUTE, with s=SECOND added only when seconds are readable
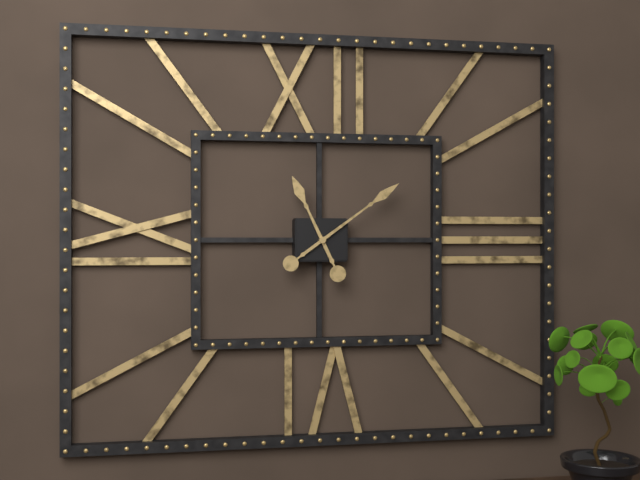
h=11 m=9
